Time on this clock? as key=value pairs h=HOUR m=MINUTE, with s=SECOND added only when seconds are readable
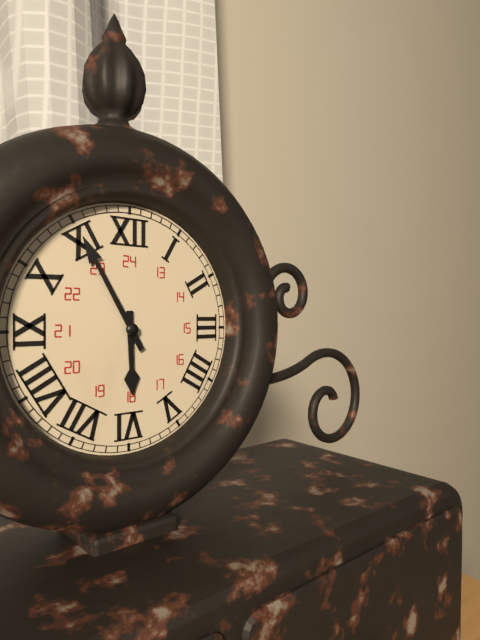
h=5 m=55
